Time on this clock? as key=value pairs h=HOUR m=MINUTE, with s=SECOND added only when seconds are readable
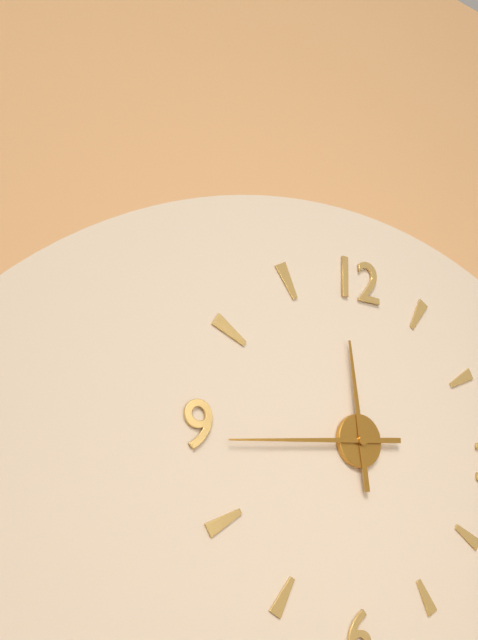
h=11 m=44
